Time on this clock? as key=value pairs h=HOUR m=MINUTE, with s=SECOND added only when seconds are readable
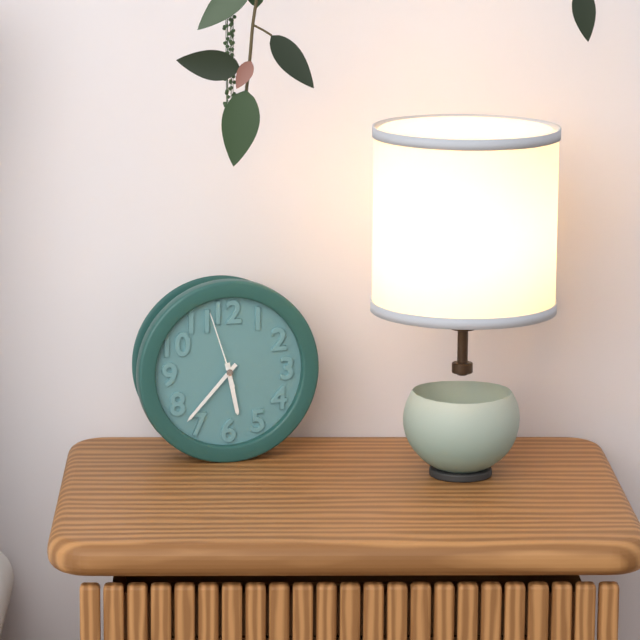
h=5 m=37 s=57
